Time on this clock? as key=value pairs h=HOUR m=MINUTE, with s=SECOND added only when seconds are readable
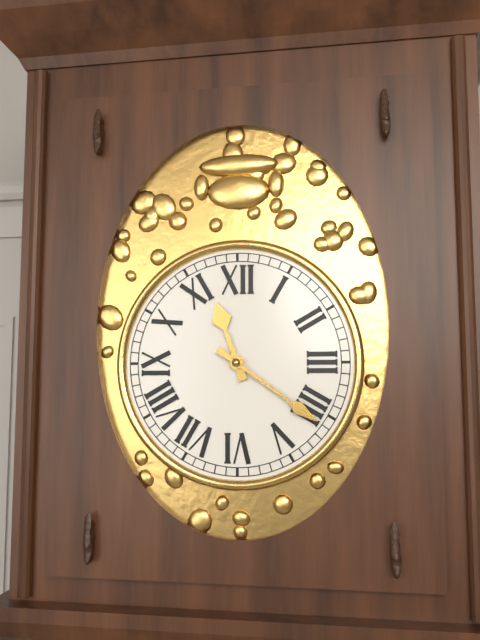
h=11 m=21
